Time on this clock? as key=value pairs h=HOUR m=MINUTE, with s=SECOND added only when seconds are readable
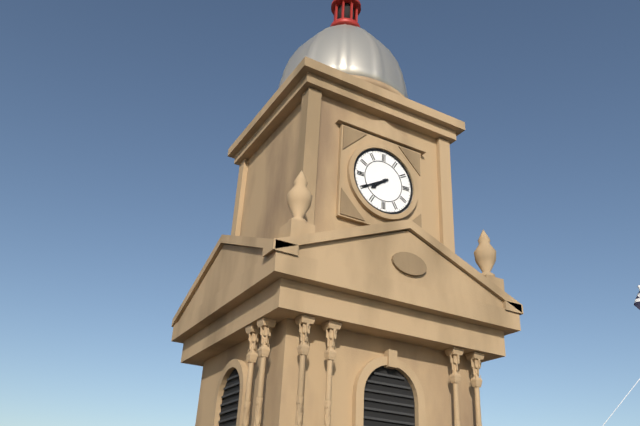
h=7 m=40
